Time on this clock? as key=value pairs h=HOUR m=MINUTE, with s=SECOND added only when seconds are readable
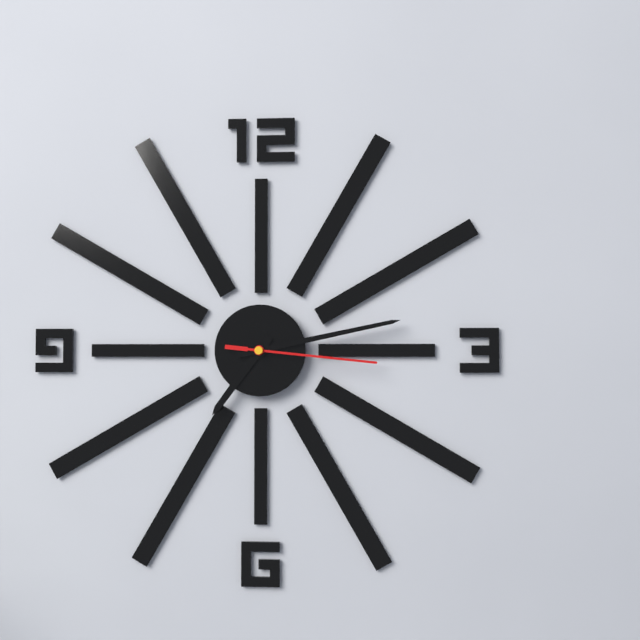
h=7 m=13 s=16
